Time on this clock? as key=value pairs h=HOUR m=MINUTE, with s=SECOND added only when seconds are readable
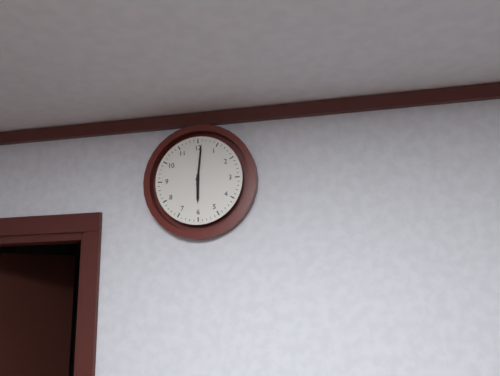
h=6 m=1
